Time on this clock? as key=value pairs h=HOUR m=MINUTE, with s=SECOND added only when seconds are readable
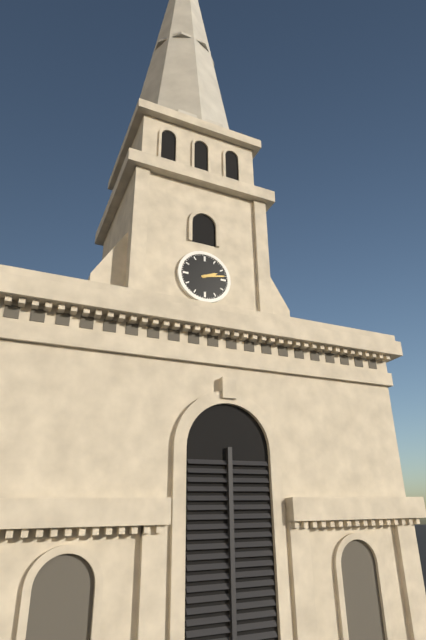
h=2 m=13
